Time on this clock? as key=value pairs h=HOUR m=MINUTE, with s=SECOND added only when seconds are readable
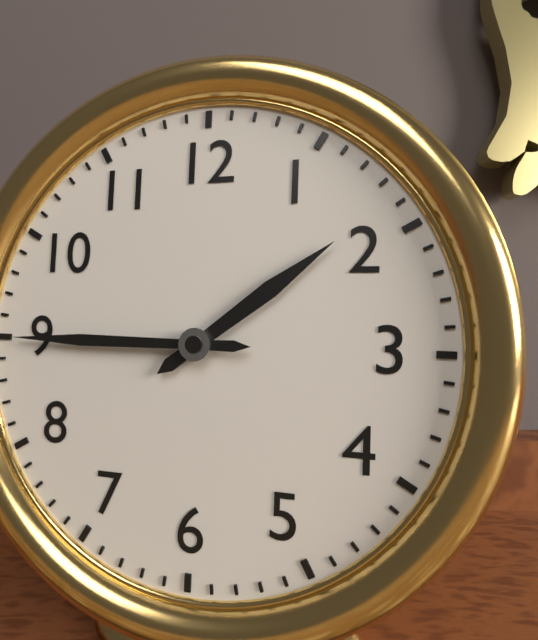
h=1 m=45
